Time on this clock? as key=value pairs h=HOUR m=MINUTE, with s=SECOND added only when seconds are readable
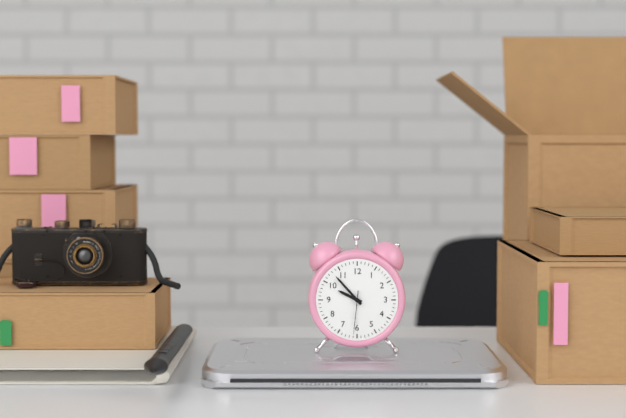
h=9 m=53
